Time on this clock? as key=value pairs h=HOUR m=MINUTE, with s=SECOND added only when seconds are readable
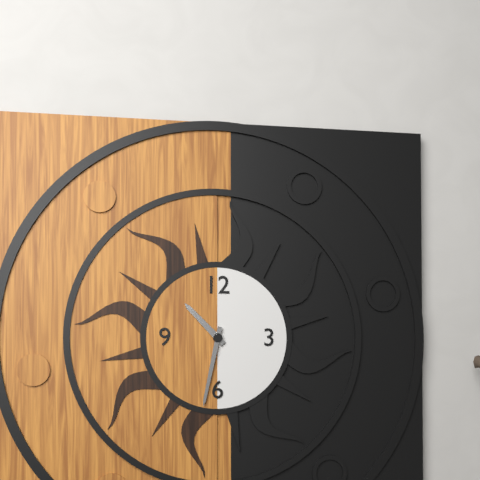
h=10 m=32
